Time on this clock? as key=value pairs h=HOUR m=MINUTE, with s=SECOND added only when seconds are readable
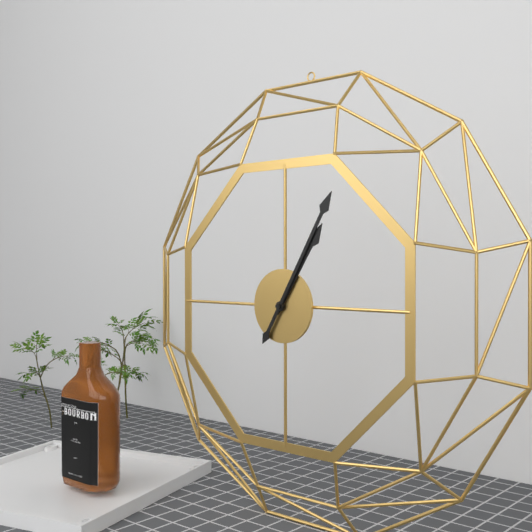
h=1 m=5
